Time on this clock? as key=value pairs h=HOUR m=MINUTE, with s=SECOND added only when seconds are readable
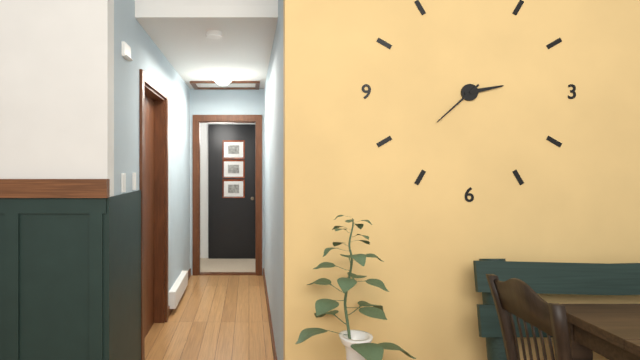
h=2 m=38
